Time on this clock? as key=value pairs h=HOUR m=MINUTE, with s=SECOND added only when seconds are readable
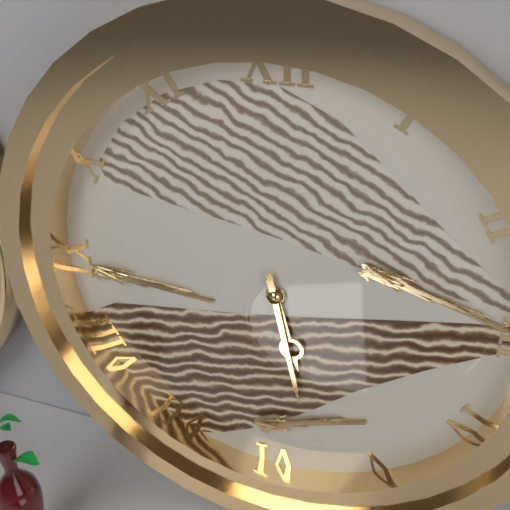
h=5 m=28
